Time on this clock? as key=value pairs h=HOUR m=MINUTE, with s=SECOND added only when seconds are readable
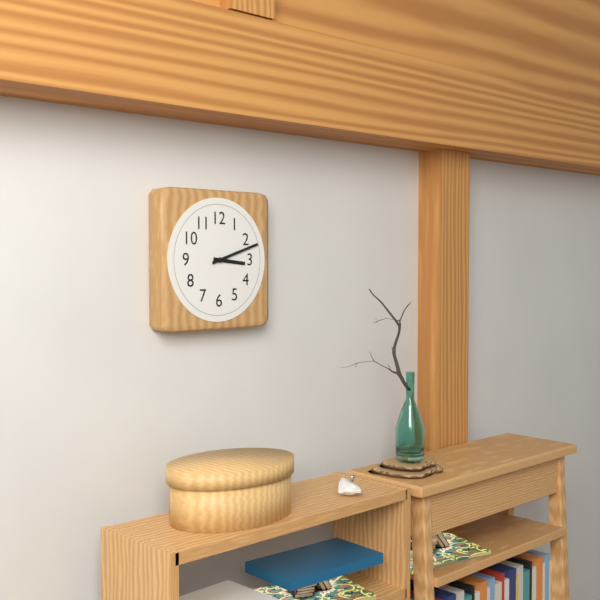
h=3 m=12
